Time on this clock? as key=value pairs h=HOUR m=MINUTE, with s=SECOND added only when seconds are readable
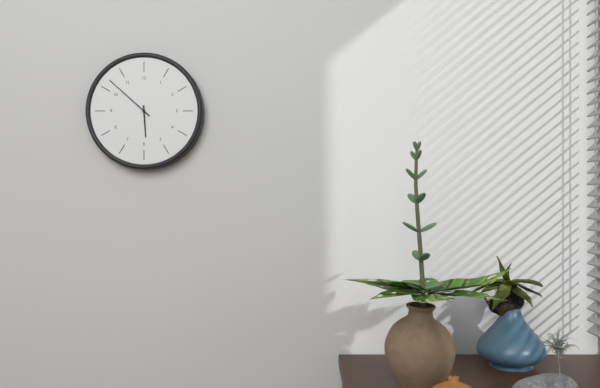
h=5 m=52
